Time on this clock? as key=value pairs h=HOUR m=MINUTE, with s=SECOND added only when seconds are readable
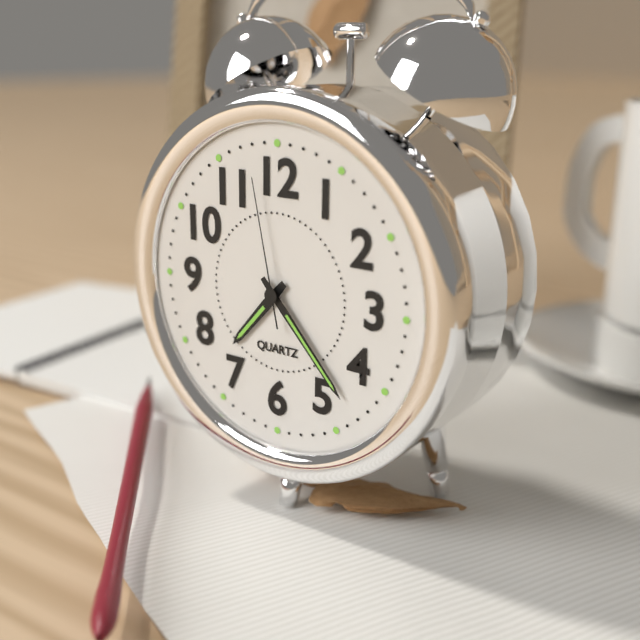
h=7 m=23 s=58
